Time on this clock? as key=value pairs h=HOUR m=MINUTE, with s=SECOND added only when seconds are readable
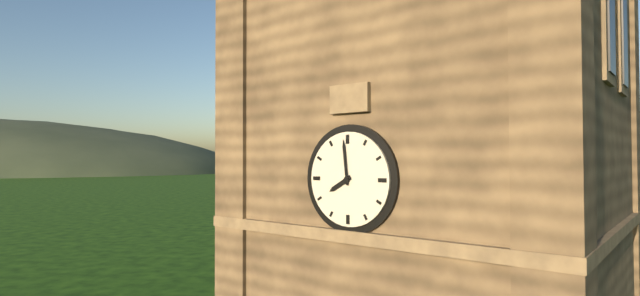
h=7 m=59
